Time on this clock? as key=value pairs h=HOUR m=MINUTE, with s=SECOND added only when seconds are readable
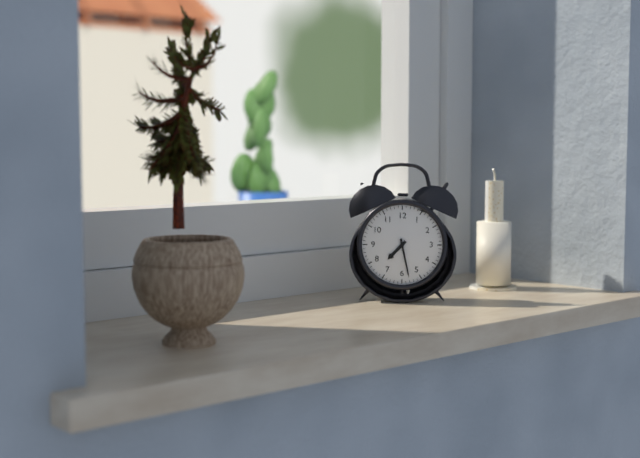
h=7 m=28
